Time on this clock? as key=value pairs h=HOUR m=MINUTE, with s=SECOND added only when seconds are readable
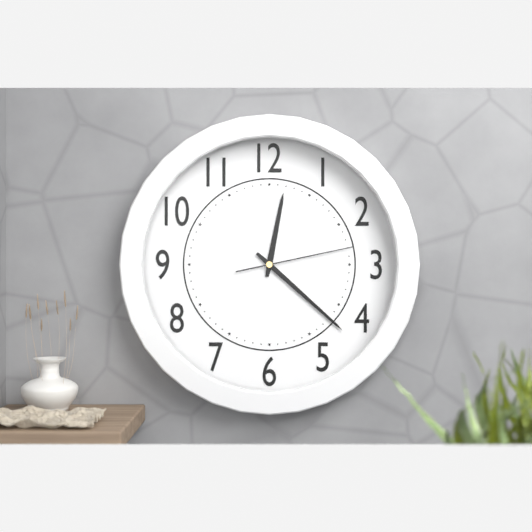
h=12 m=22 s=13
